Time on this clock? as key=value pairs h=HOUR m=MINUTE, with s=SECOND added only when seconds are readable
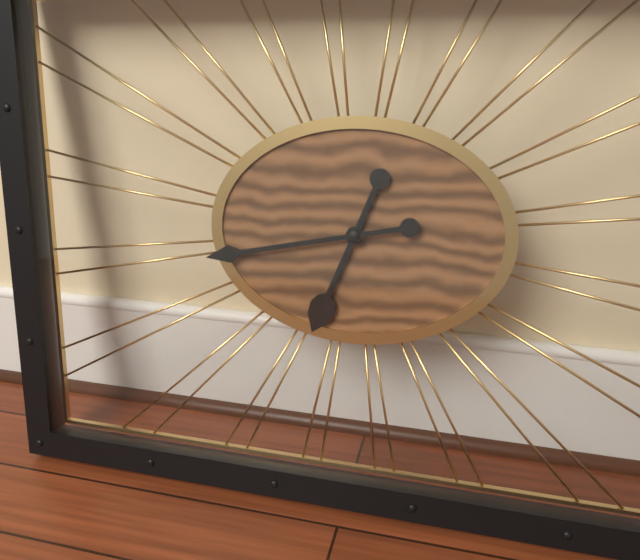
h=6 m=43
